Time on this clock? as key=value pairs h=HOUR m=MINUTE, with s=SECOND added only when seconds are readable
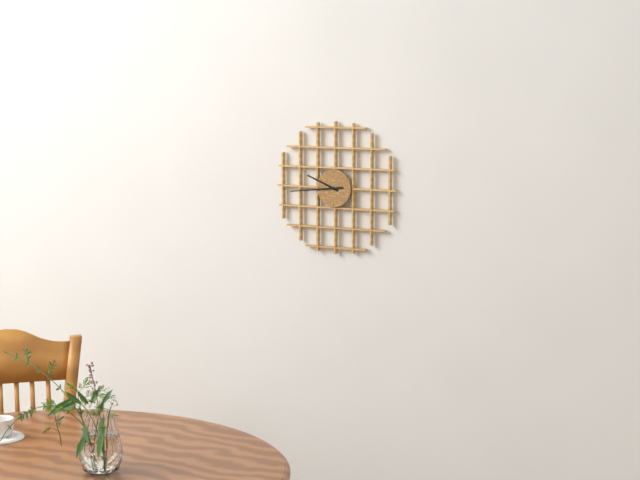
h=9 m=44
